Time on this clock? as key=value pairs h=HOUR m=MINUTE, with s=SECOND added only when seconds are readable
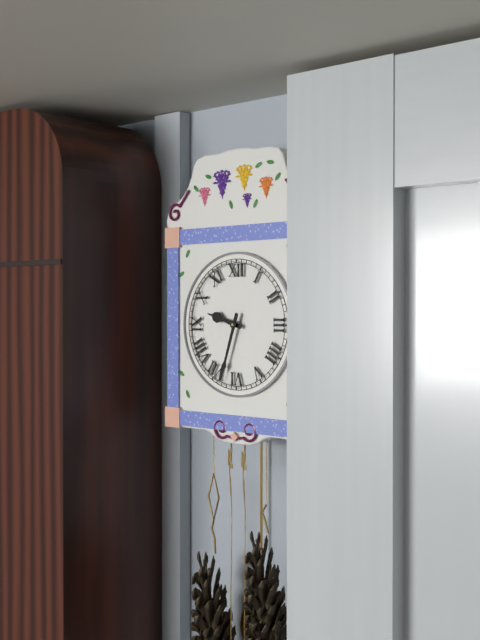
h=9 m=33
